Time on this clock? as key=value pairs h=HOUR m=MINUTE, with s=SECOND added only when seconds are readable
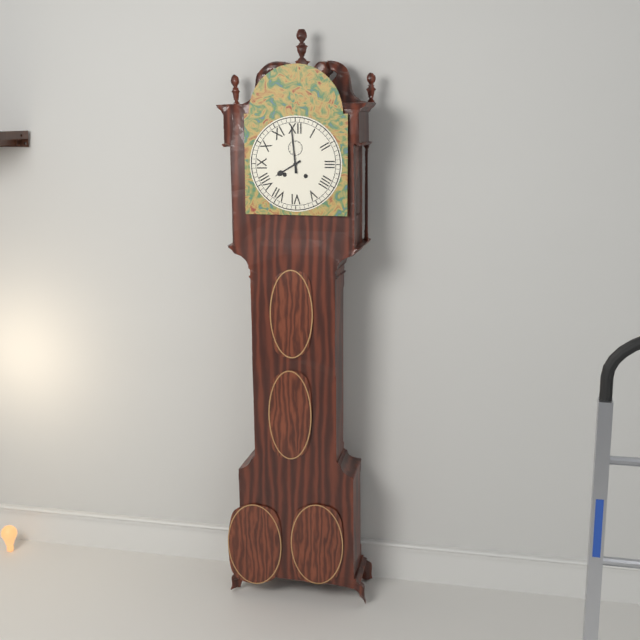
h=7 m=59
